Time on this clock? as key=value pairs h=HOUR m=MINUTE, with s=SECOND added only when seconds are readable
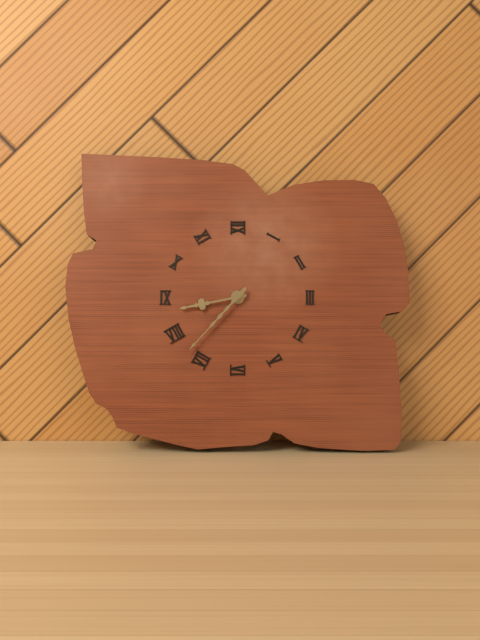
h=8 m=37
